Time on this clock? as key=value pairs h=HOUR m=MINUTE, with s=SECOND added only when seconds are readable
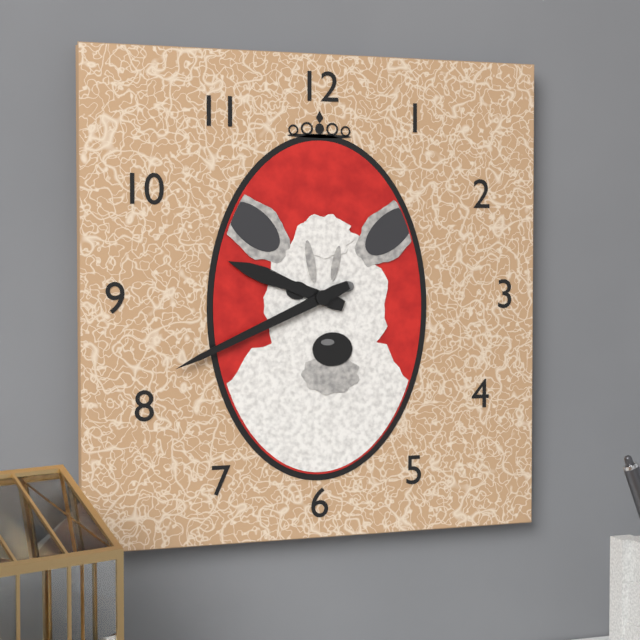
h=9 m=41
